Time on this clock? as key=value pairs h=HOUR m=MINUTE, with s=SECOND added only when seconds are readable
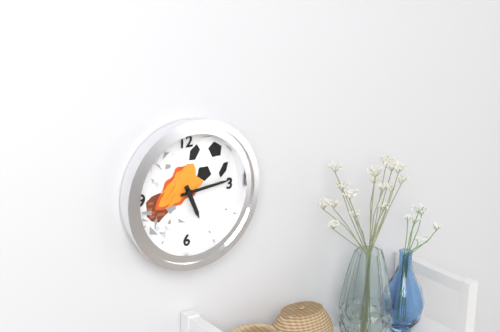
h=5 m=14
